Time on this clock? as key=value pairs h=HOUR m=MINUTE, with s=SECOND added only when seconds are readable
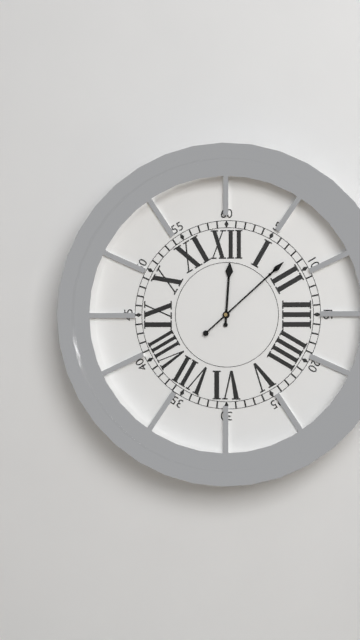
h=12 m=8
